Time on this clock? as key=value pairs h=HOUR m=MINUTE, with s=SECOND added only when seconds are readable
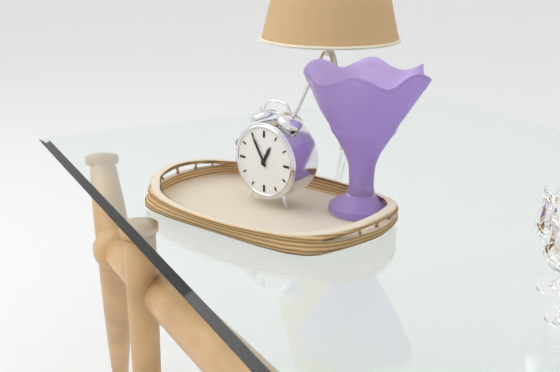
h=12 m=55
